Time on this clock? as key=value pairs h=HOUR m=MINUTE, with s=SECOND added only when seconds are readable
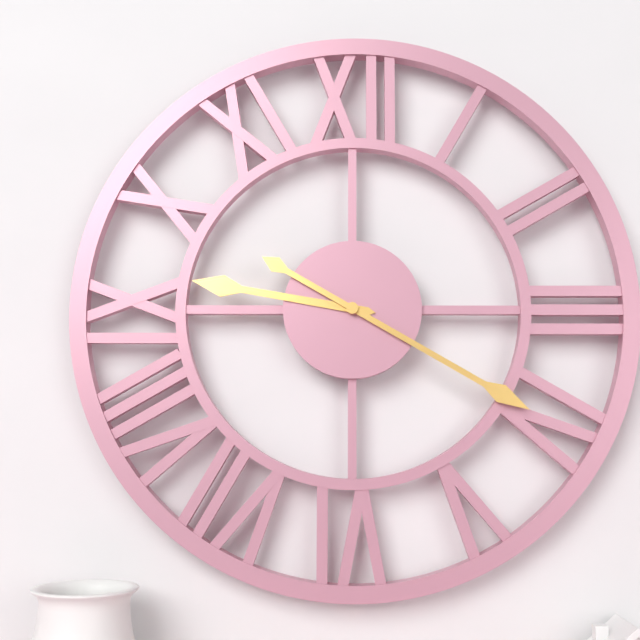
h=9 m=20
